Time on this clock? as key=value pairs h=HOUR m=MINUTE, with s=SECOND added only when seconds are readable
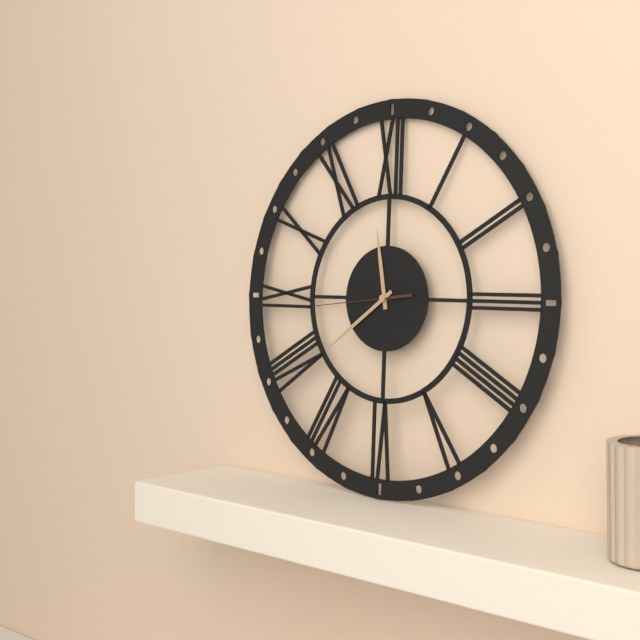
h=11 m=39 s=44
